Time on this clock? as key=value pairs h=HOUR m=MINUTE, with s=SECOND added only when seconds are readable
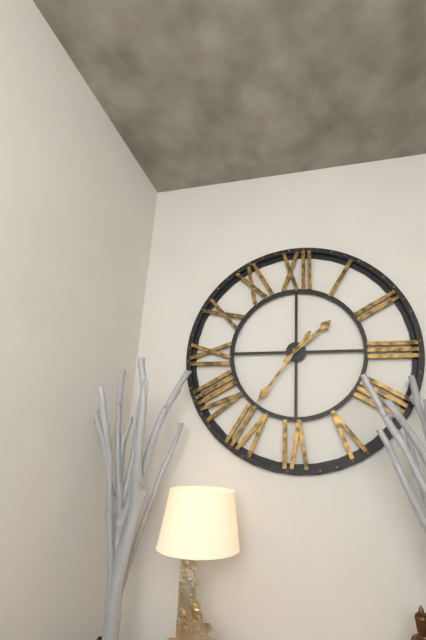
h=1 m=36
